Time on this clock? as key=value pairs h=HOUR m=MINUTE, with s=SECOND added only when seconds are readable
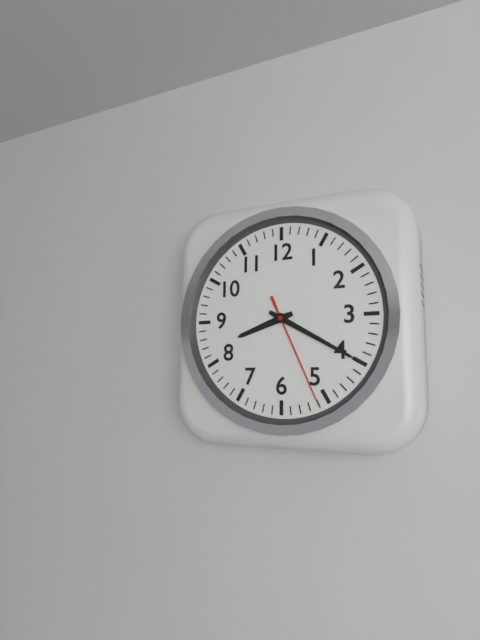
h=8 m=20 s=26
